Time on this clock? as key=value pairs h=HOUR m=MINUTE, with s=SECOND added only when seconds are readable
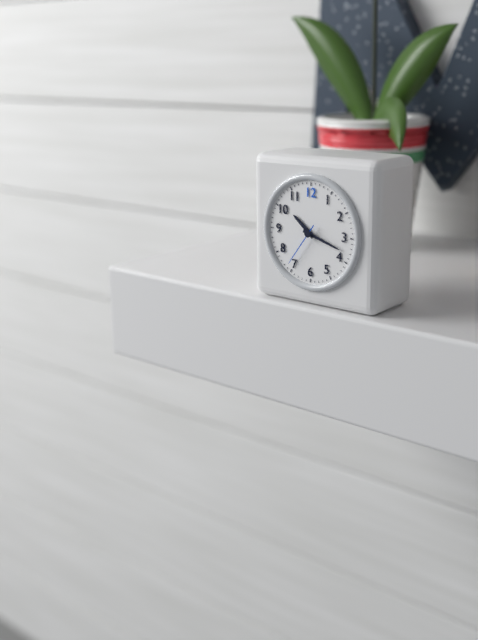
h=10 m=18
